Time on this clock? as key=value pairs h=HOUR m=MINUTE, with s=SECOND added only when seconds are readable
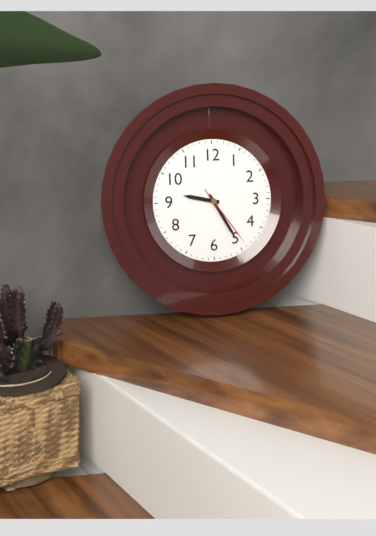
h=9 m=25 s=24
